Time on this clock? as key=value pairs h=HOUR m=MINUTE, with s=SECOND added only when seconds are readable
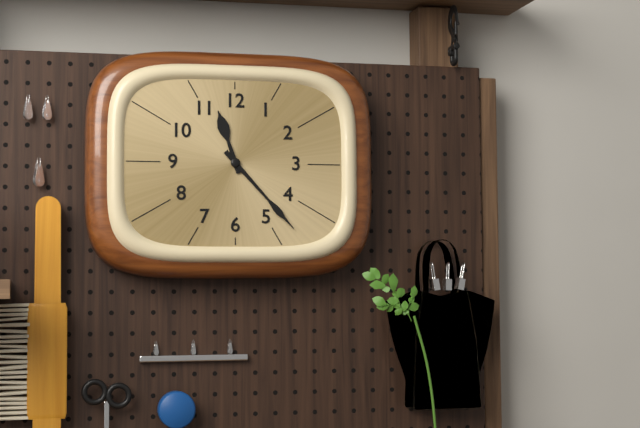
h=11 m=23
